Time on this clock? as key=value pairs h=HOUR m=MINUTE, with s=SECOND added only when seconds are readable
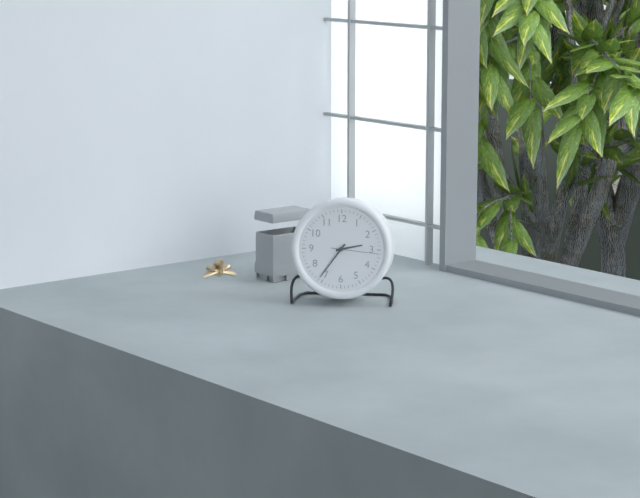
h=2 m=36
